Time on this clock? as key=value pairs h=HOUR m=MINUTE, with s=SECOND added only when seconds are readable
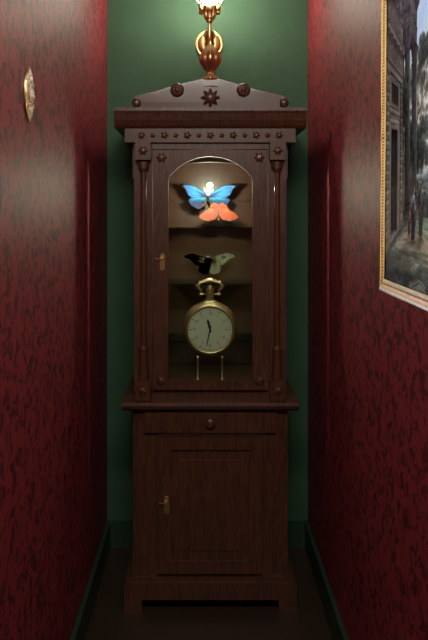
h=11 m=32
